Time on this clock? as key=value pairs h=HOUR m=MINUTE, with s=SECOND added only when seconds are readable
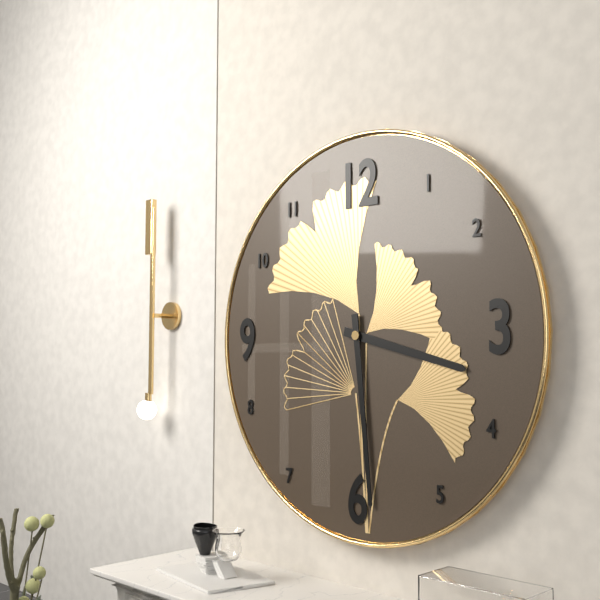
h=3 m=29
